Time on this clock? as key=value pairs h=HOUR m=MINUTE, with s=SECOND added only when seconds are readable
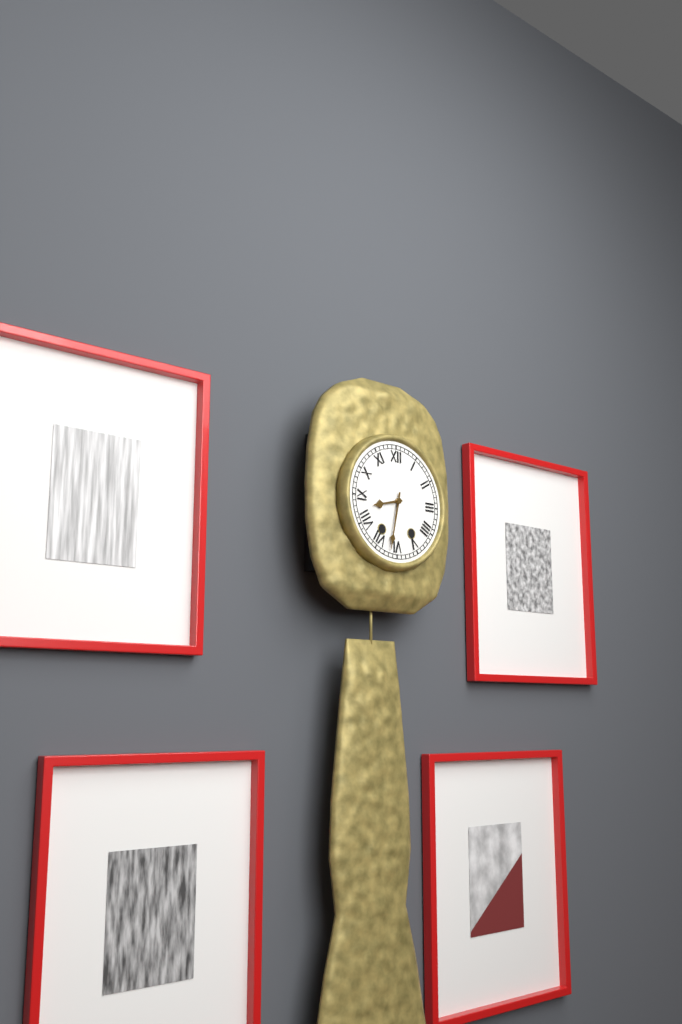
h=8 m=32
